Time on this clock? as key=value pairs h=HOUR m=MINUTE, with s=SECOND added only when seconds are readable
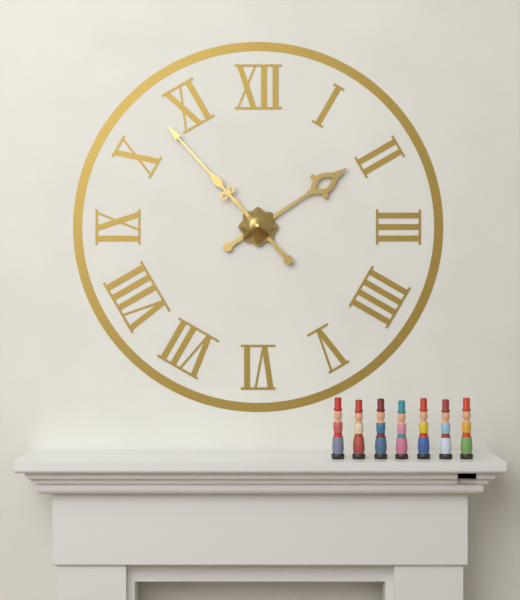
h=1 m=53
